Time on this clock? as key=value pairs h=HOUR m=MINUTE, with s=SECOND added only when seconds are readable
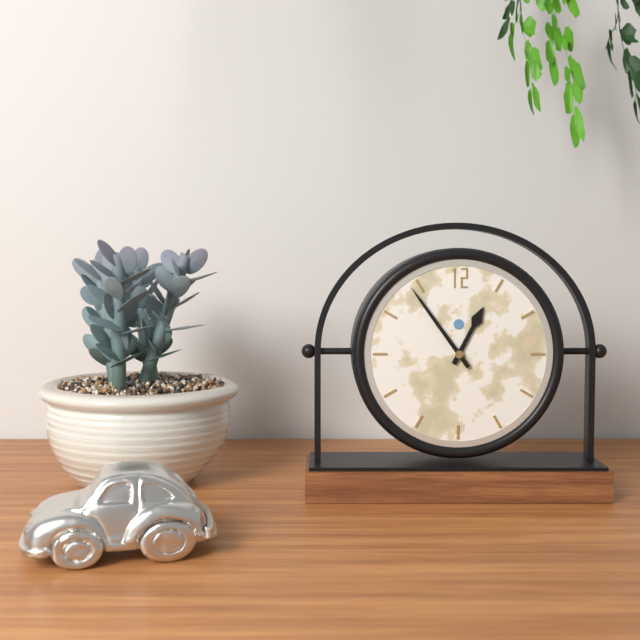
h=12 m=54
